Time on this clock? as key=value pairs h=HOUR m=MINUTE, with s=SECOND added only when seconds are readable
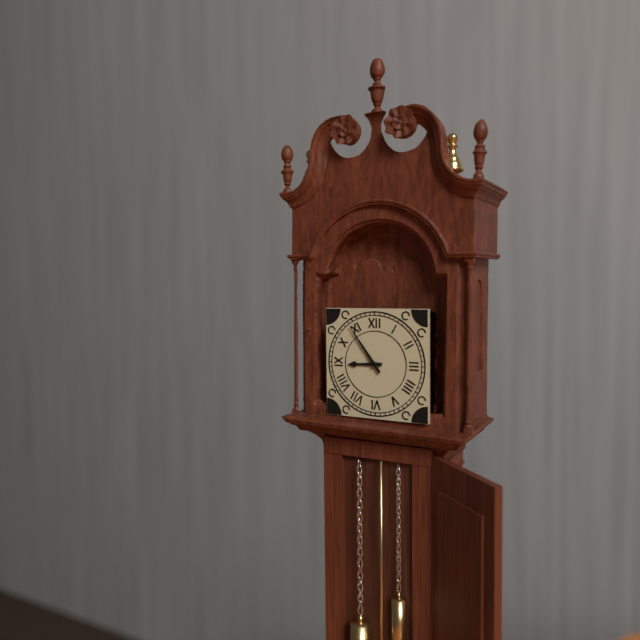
h=8 m=54
